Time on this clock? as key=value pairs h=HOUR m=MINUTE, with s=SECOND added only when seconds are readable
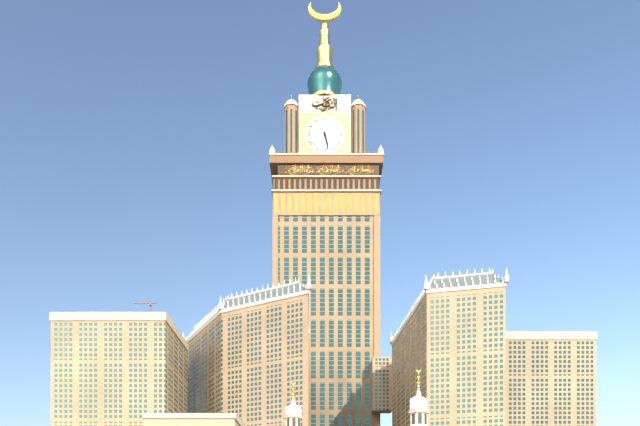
h=5 m=28
